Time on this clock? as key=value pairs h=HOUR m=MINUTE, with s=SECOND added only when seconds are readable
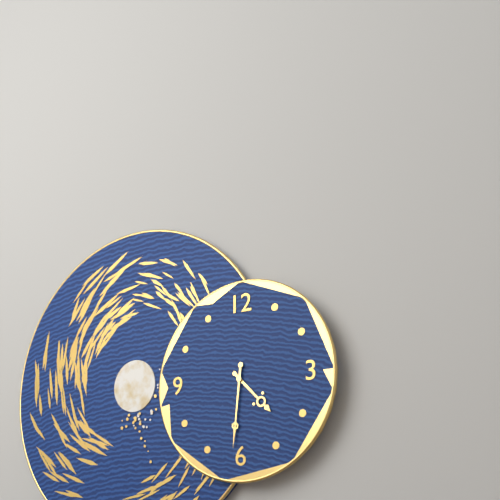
h=4 m=31
